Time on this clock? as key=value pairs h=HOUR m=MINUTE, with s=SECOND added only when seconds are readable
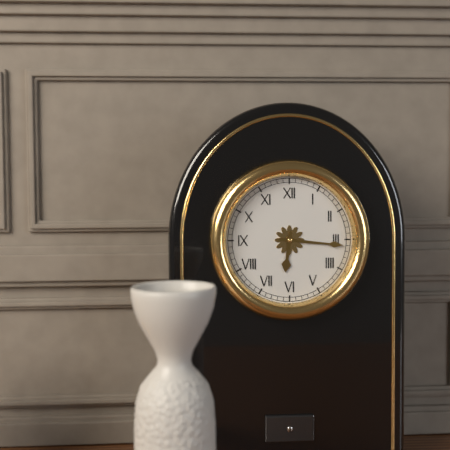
h=6 m=16
